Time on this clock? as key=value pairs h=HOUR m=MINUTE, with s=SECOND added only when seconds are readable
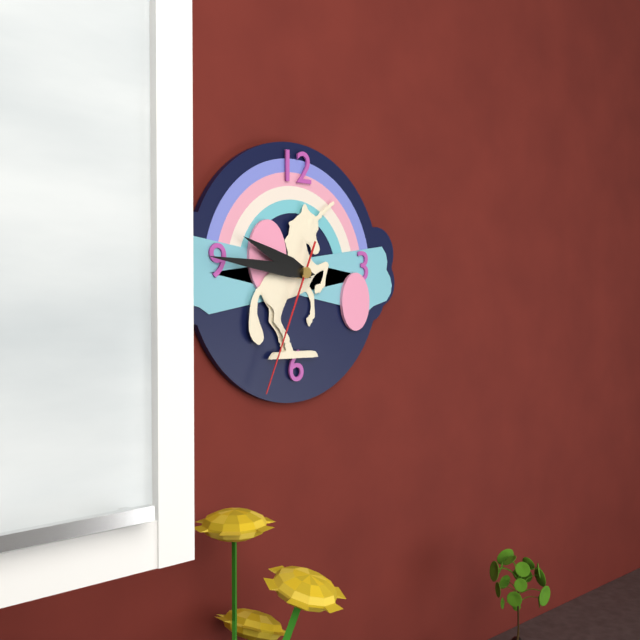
h=9 m=46 s=34
